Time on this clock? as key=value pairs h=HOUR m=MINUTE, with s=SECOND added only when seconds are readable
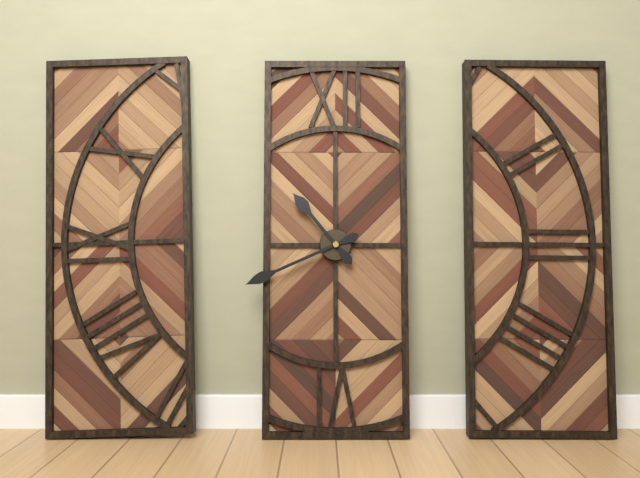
h=10 m=41
